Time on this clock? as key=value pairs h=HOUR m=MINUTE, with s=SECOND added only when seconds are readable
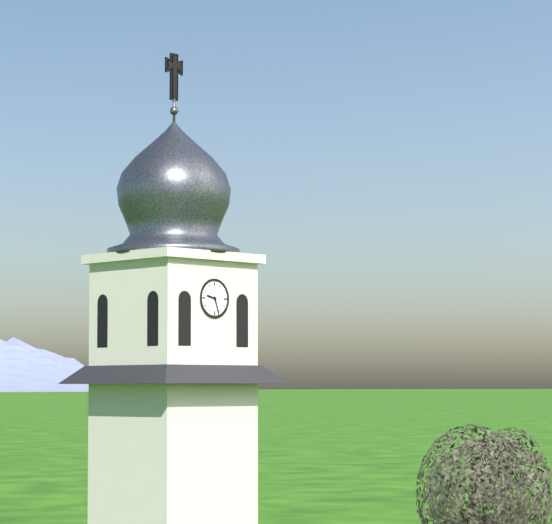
h=9 m=27
